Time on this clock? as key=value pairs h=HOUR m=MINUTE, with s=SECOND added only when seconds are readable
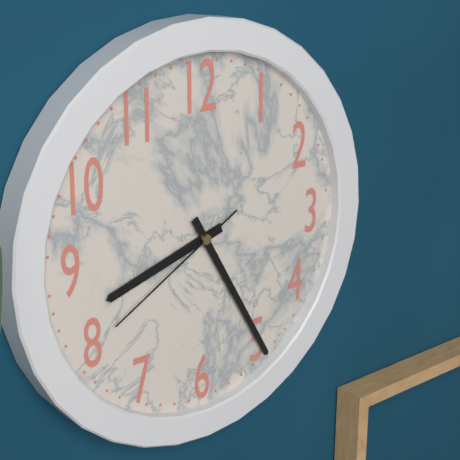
h=8 m=25 s=40
